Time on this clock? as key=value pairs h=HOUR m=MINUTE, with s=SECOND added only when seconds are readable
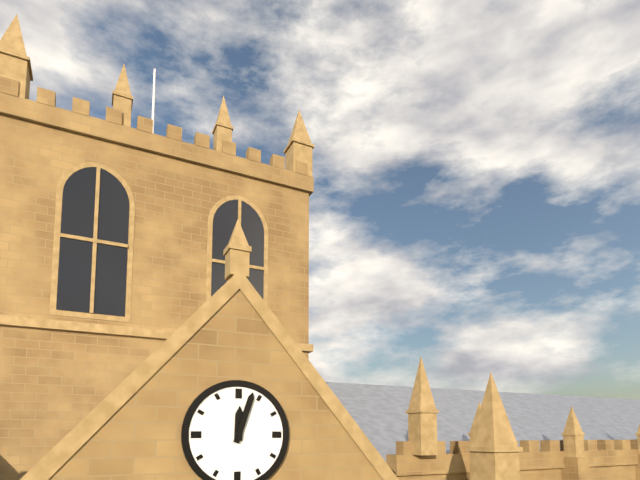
h=12 m=3
